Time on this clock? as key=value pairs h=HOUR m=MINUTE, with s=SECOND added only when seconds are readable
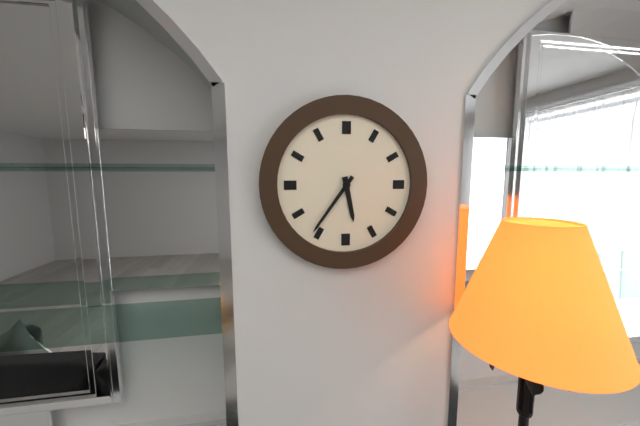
h=5 m=36
